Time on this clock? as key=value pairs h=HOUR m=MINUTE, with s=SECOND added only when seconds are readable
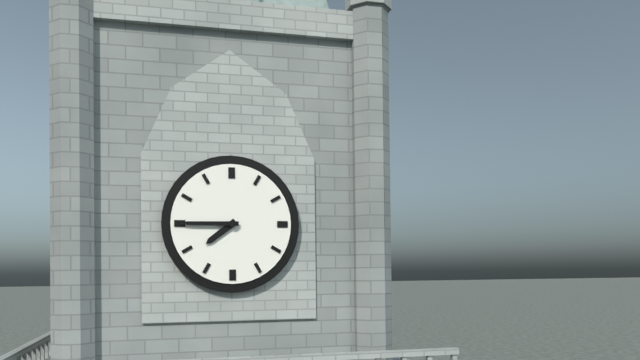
h=7 m=45
